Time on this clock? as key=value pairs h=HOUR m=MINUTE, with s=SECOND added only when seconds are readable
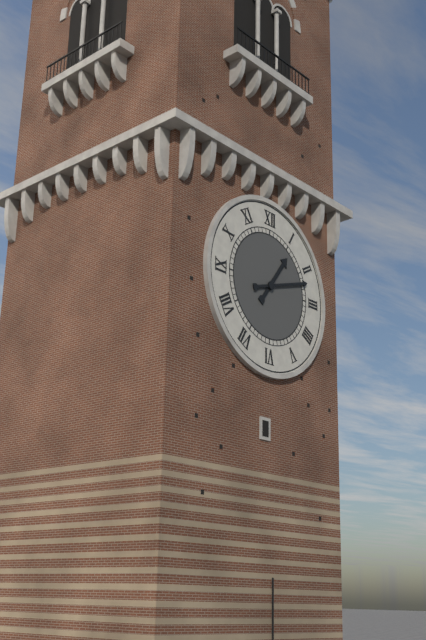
h=1 m=12
